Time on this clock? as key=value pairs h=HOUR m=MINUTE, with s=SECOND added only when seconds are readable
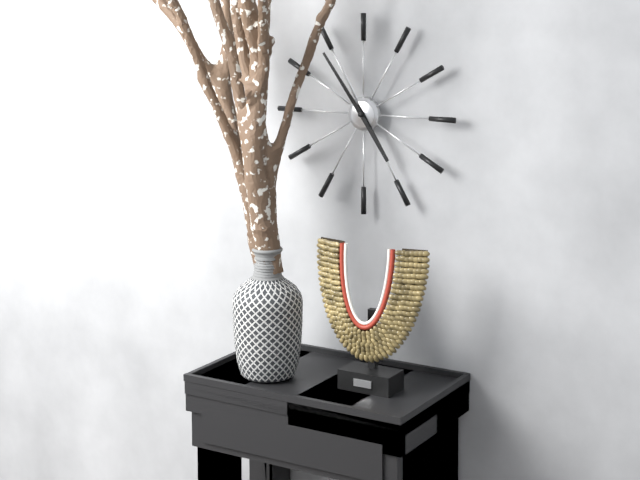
h=4 m=54
